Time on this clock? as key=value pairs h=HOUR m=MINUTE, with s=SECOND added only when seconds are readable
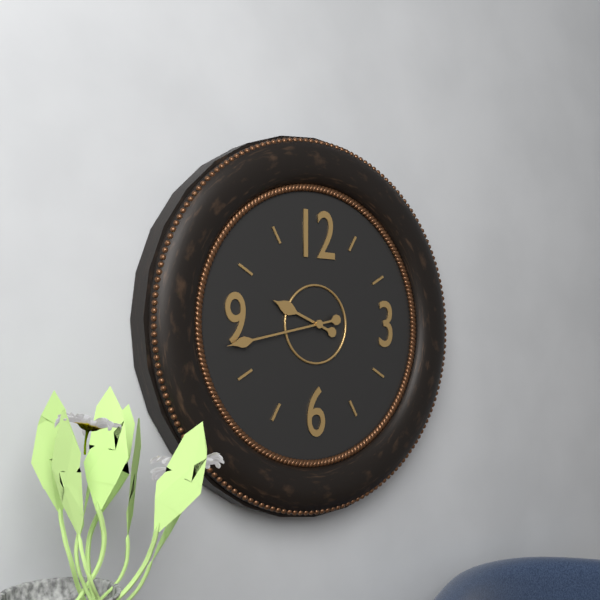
h=9 m=43
